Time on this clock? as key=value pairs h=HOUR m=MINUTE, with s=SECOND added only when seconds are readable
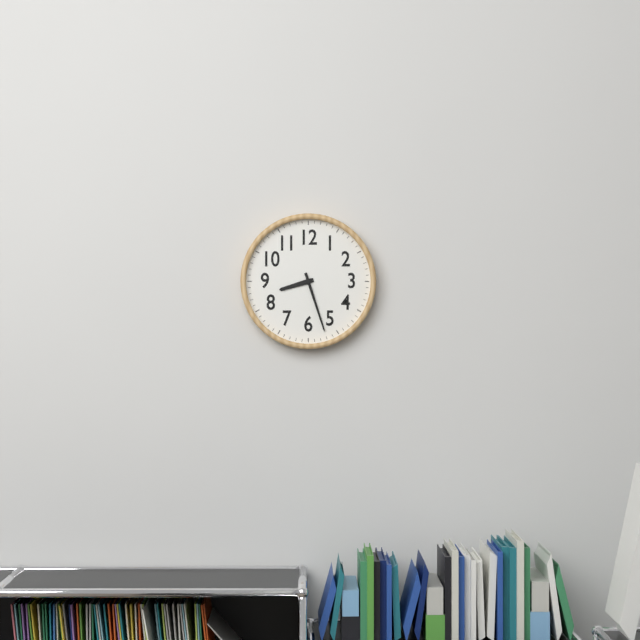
h=8 m=27
